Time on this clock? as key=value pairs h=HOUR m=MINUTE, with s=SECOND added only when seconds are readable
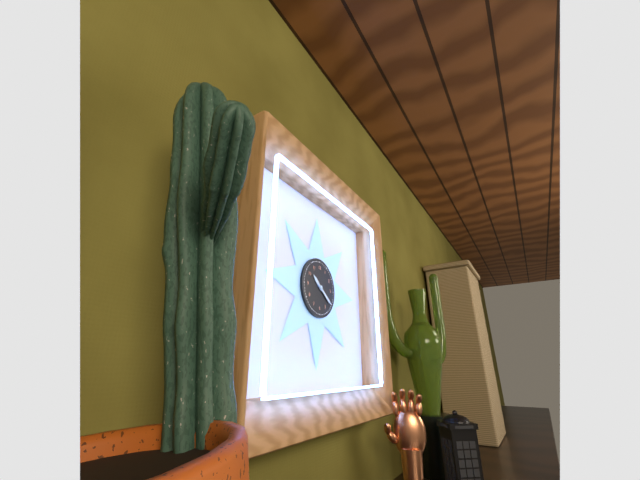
h=10 m=21
